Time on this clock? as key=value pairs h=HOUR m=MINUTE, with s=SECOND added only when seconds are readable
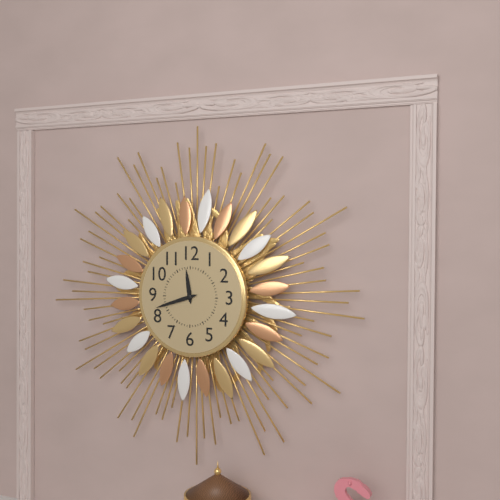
h=11 m=42
